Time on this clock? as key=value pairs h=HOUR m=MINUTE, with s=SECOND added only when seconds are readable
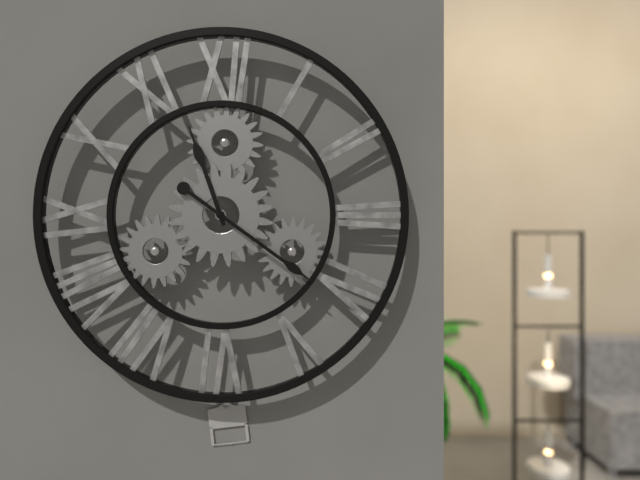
h=11 m=21
